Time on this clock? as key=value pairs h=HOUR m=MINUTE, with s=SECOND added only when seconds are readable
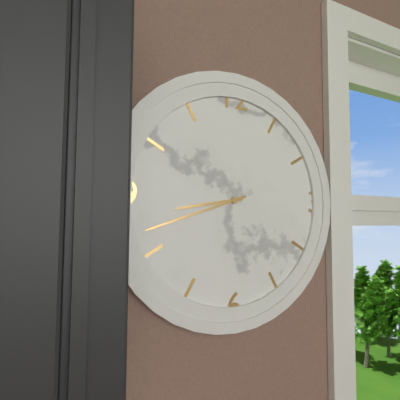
h=8 m=42
